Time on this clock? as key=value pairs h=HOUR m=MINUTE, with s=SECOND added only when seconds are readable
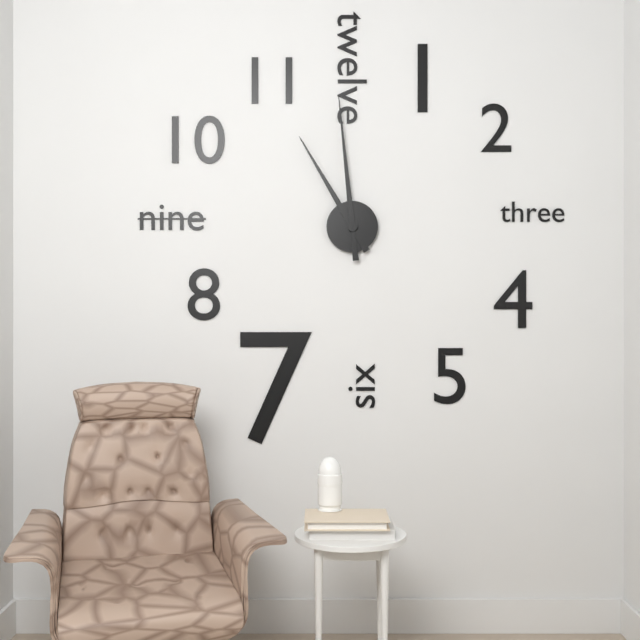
h=10 m=59
